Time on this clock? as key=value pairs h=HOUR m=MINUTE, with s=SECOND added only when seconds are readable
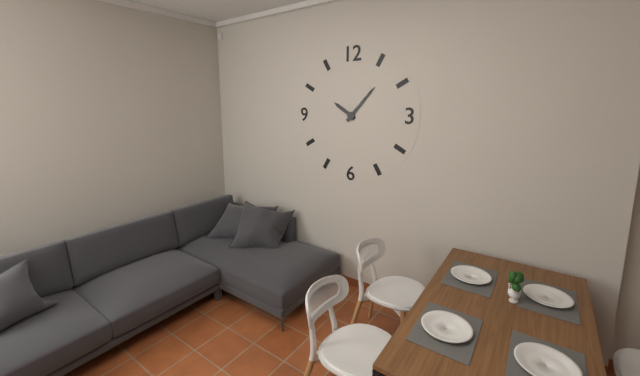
h=10 m=7
